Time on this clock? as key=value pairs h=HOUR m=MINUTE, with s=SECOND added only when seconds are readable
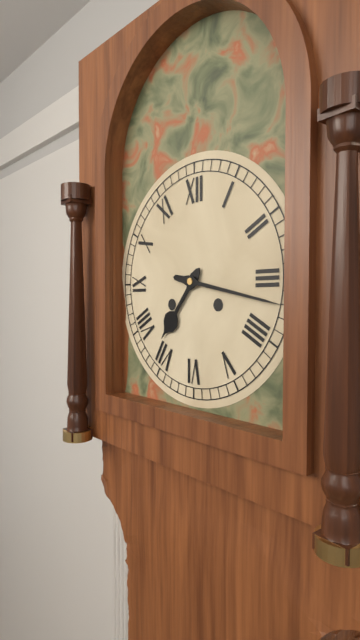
h=7 m=17
